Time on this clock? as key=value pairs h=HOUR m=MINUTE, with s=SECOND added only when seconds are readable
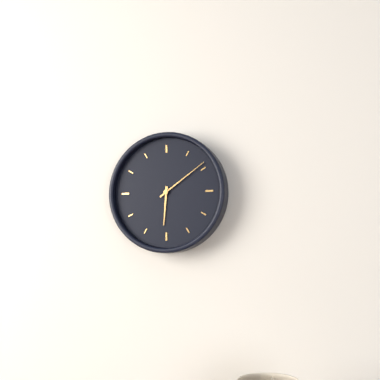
h=6 m=9
